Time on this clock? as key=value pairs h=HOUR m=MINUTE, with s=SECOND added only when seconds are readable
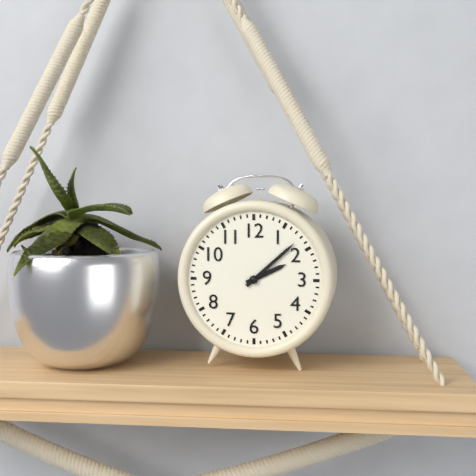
h=2 m=8
